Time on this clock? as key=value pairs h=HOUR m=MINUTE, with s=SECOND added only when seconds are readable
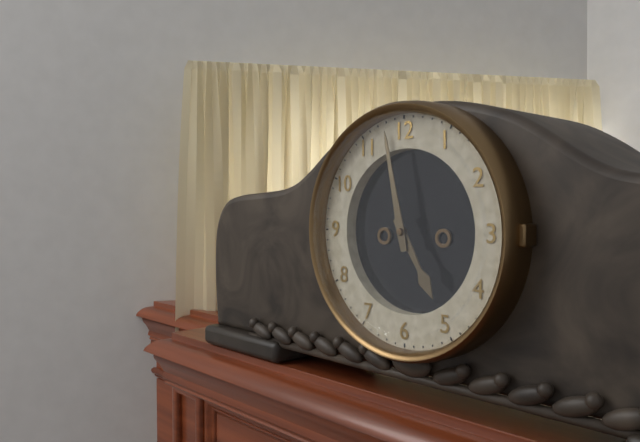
h=4 m=58
